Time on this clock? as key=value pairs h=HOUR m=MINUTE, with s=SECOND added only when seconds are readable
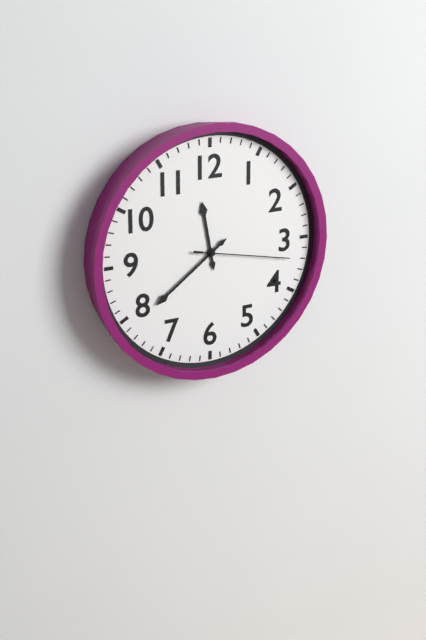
h=11 m=39 s=17
